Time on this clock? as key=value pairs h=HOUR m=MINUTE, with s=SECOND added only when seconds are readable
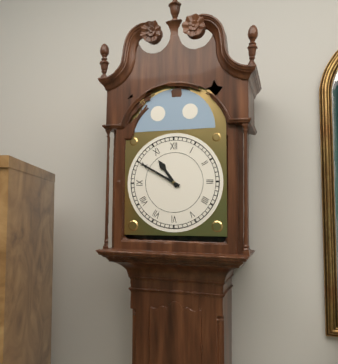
h=10 m=50
